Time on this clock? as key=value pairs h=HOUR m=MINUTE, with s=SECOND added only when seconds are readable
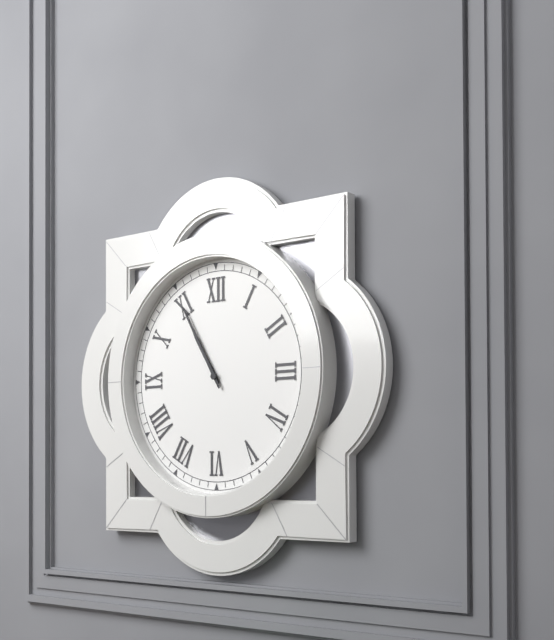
h=10 m=55
